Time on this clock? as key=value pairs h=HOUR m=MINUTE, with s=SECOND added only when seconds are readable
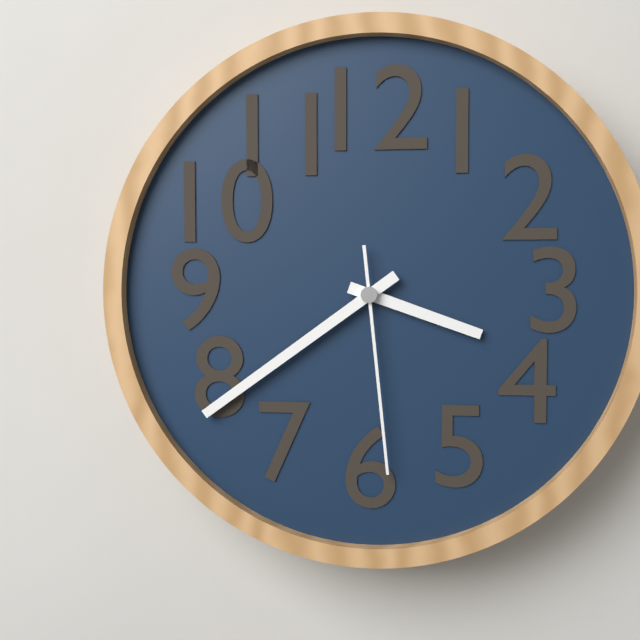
h=3 m=39 s=29
